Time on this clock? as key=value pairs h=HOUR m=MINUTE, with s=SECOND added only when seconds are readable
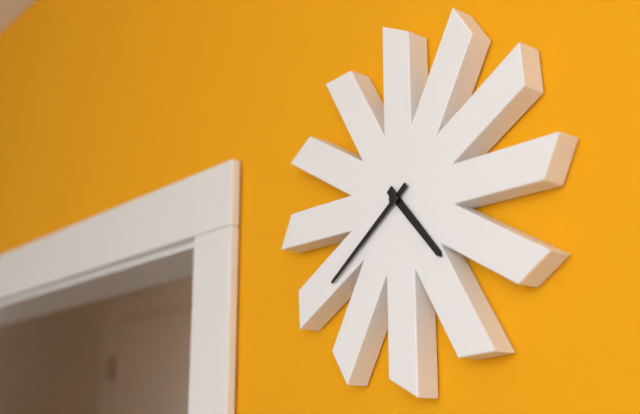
h=4 m=39
